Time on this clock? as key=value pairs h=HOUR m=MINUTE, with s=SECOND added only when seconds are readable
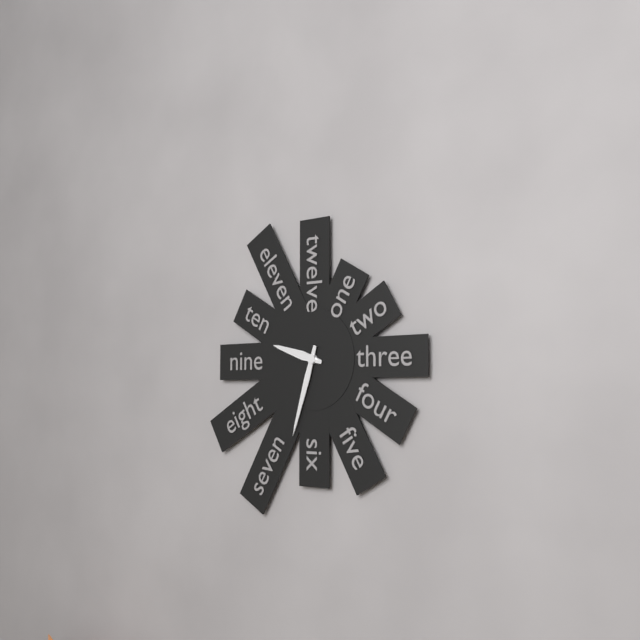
h=9 m=33
